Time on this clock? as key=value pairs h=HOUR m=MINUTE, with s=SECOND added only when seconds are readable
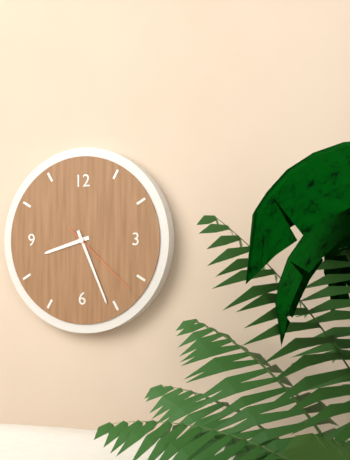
h=8 m=26 s=22
